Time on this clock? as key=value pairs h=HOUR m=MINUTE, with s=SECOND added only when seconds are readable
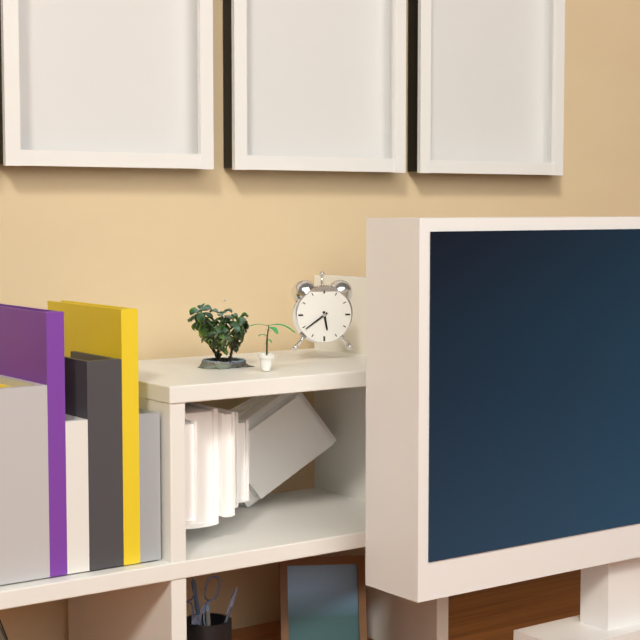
h=5 m=39
